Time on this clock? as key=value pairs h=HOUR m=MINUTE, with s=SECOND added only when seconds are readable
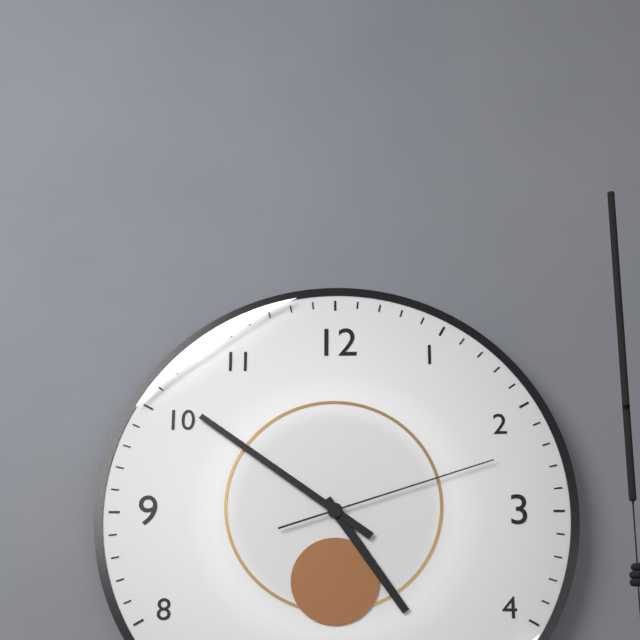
h=4 m=51 s=12
